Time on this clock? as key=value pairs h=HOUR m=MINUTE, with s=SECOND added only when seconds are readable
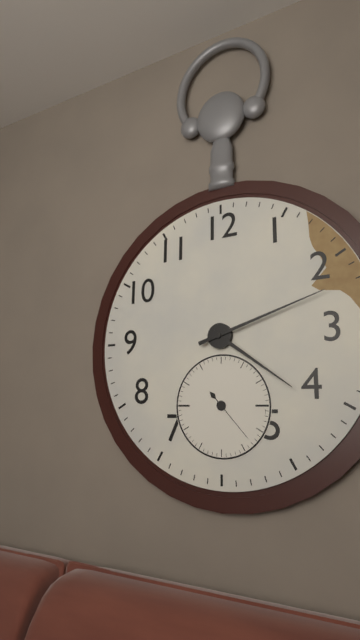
h=4 m=12 s=23
